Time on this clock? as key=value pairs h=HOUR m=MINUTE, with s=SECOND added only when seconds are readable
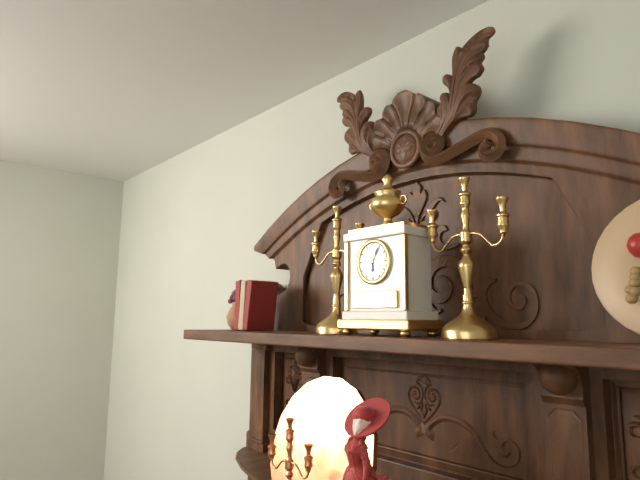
h=6 m=5
